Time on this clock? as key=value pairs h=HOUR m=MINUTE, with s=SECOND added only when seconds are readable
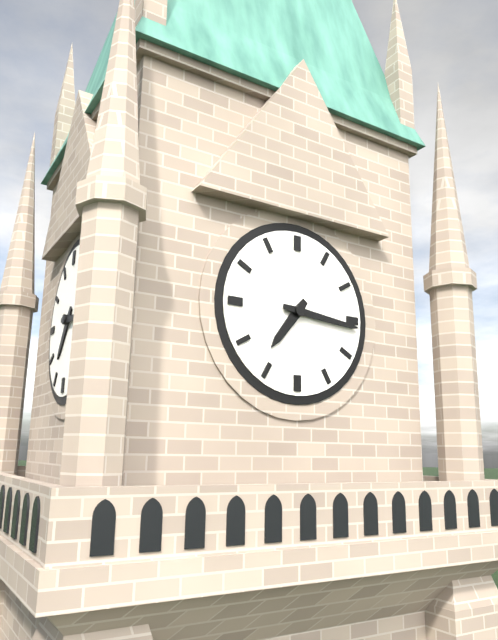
h=7 m=16
